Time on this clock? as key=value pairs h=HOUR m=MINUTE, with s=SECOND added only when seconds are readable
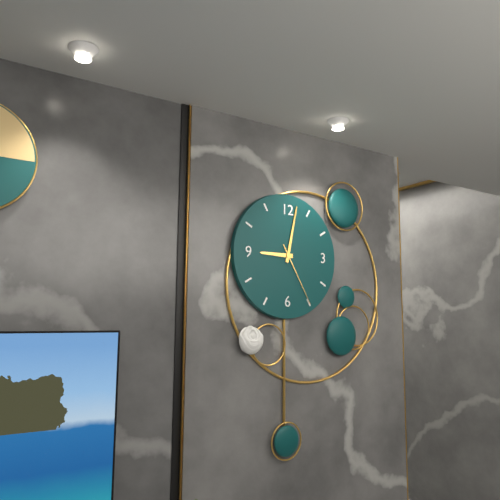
h=9 m=2 s=25
